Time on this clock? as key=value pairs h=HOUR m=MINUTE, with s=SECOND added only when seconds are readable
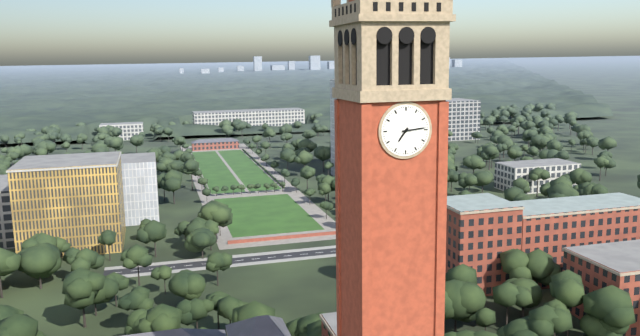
h=7 m=14
